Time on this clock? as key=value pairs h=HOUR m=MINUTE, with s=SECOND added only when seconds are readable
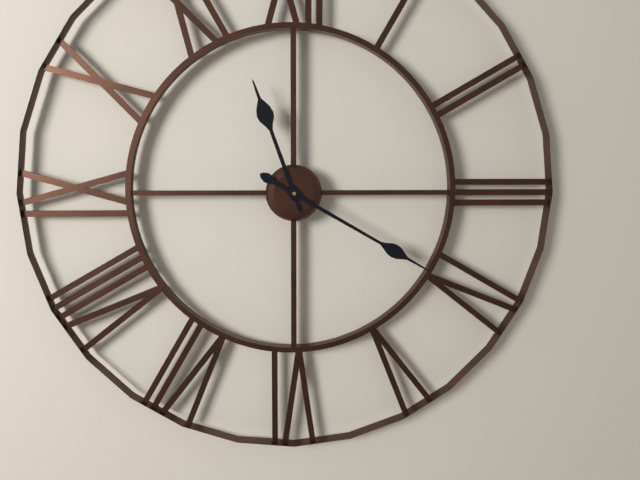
h=11 m=20
